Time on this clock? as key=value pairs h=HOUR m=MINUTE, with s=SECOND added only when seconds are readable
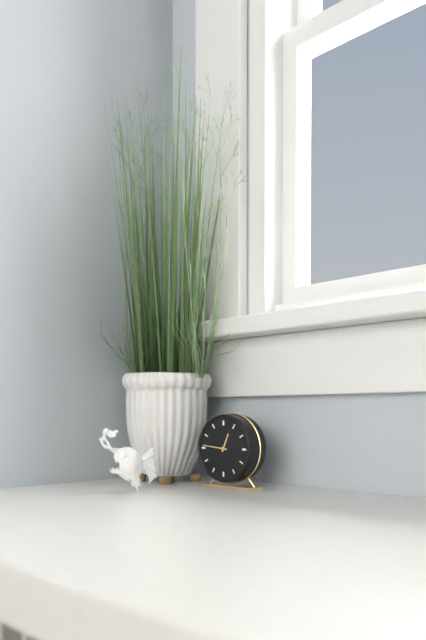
h=12 m=46
